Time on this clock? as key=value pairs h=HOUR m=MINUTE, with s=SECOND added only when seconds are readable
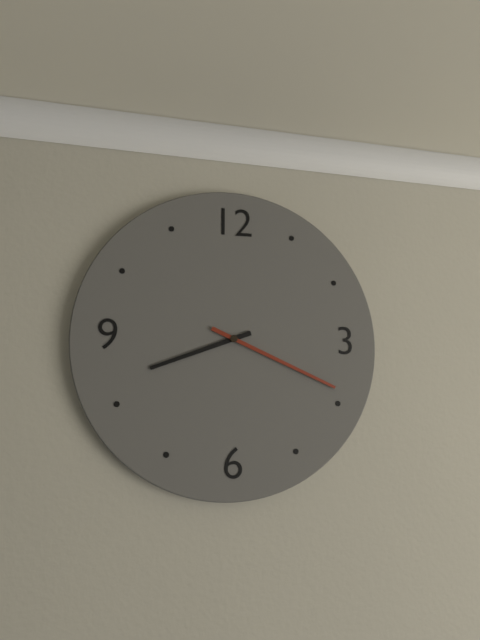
h=8 m=19
